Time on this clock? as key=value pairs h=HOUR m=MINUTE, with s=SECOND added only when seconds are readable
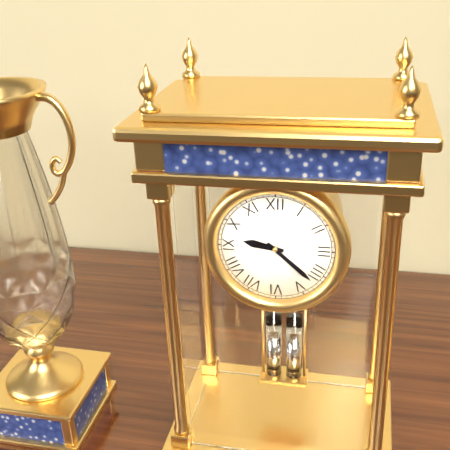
h=9 m=22
